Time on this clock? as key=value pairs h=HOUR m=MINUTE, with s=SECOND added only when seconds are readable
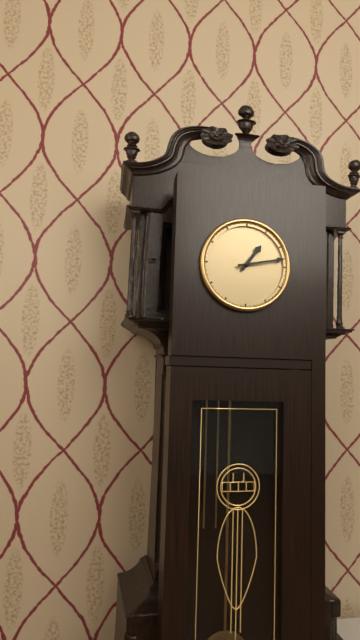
h=1 m=13
